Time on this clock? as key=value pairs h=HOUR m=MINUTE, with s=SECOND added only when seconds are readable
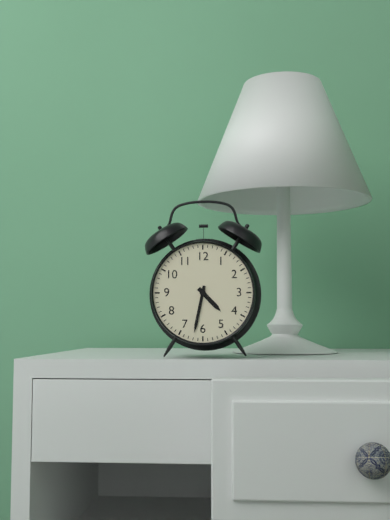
h=4 m=32
